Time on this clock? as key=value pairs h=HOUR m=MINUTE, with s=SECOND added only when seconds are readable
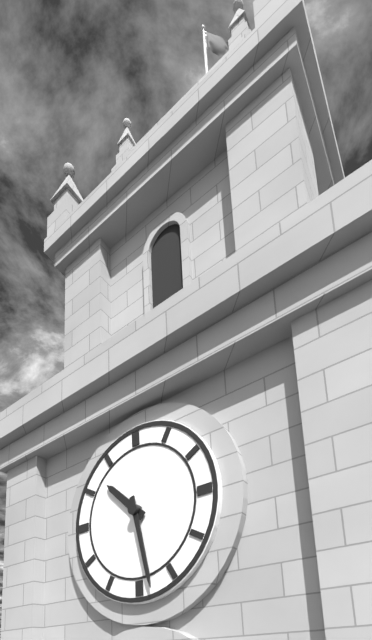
h=10 m=28
